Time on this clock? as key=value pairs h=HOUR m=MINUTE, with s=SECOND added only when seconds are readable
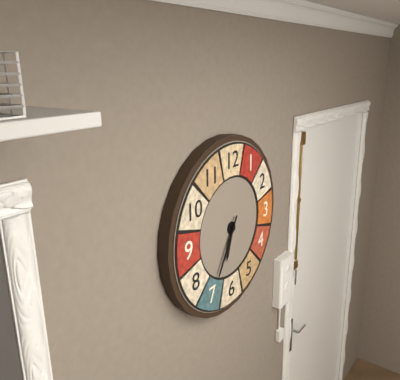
h=6 m=35
